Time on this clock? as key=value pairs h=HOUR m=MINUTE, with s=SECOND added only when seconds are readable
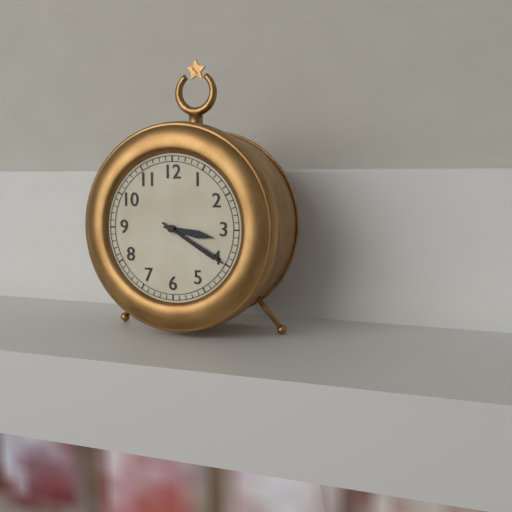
h=3 m=20
